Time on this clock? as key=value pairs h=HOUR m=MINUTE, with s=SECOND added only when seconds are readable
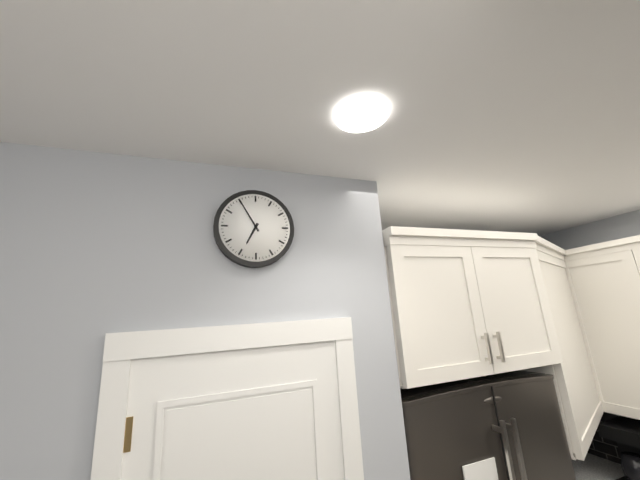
h=6 m=55
